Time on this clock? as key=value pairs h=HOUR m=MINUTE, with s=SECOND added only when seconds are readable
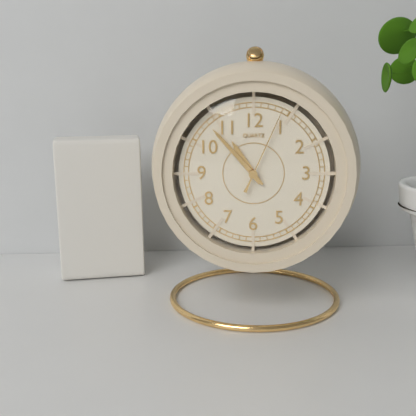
h=10 m=53 s=4
